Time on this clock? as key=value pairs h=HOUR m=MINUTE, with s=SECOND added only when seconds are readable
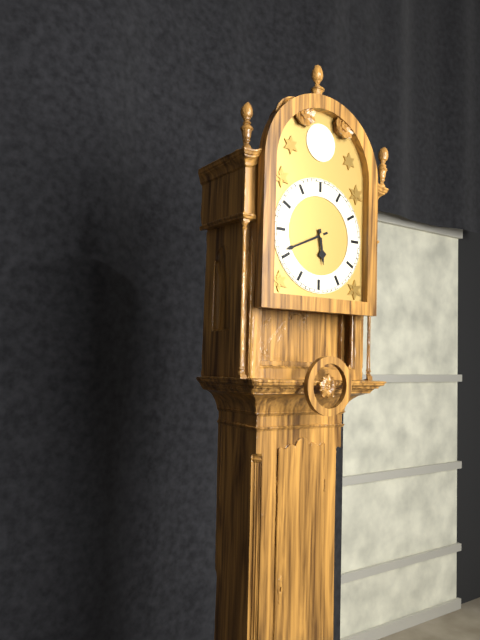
h=5 m=41
